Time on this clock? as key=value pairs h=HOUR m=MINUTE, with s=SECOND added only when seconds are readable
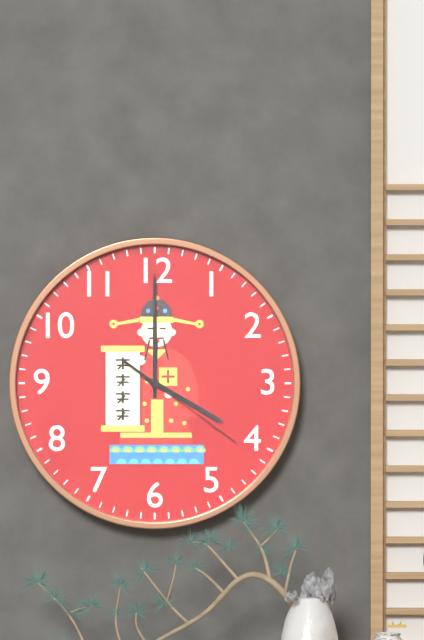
h=4 m=0 s=21
